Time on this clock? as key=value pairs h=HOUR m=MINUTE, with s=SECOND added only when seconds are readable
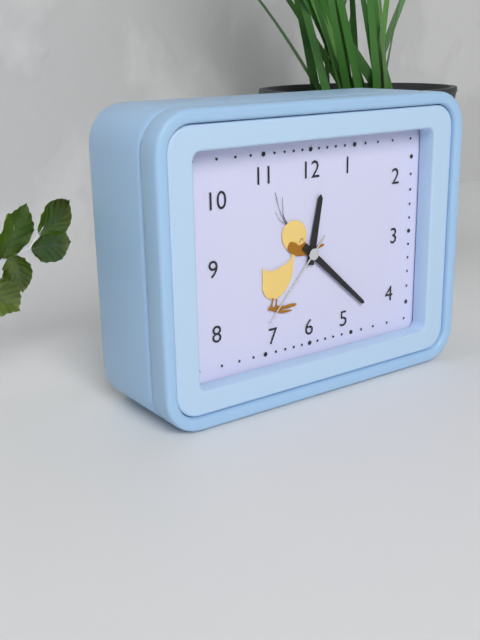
h=12 m=22 s=37
